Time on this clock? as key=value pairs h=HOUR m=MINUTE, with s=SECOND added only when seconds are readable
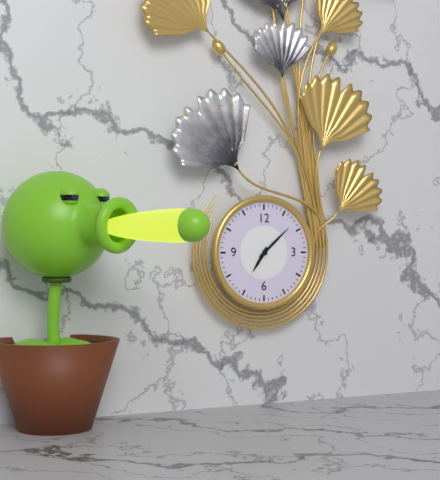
h=7 m=8
